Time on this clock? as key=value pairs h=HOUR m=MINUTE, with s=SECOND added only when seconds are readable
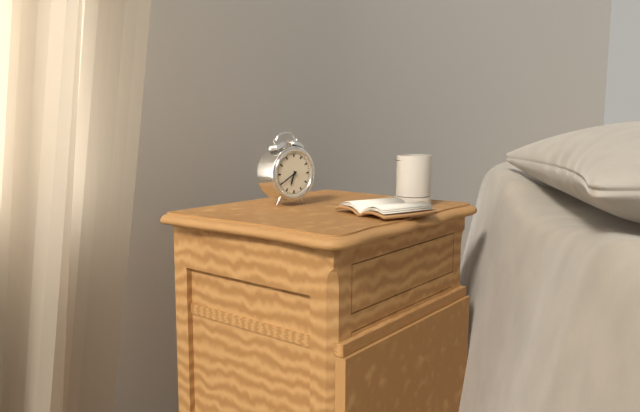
h=6 m=40
